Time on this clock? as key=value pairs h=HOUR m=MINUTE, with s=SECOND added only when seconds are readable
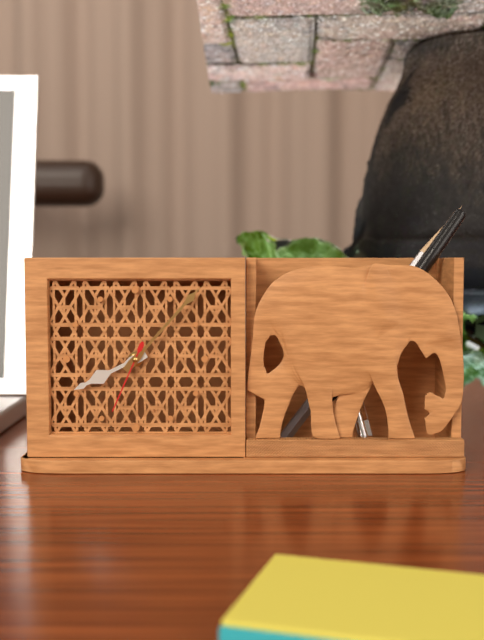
h=8 m=7 s=34
